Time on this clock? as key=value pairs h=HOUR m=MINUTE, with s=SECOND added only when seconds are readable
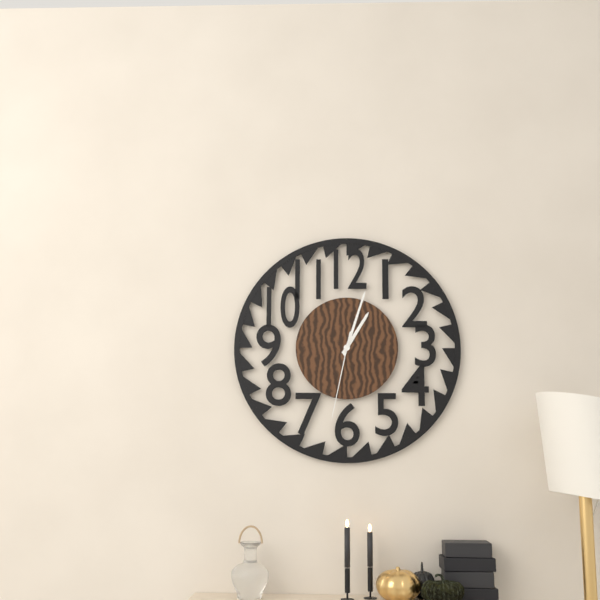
h=1 m=3 s=32
